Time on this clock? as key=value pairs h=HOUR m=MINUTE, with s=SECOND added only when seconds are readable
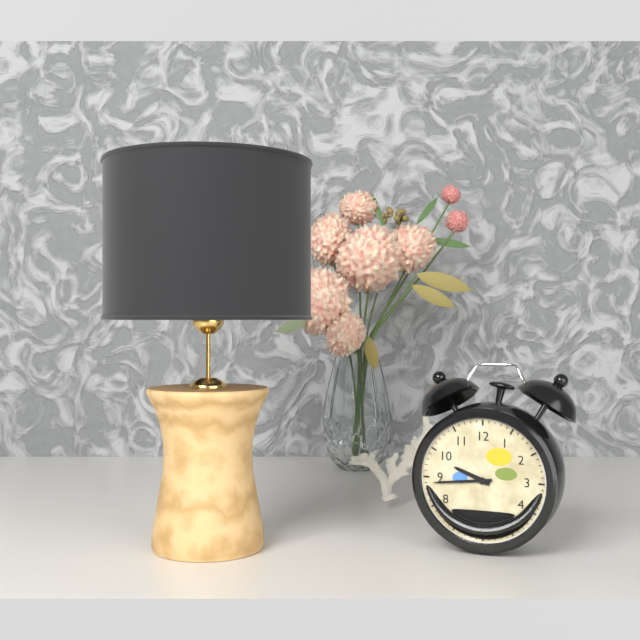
h=9 m=44
